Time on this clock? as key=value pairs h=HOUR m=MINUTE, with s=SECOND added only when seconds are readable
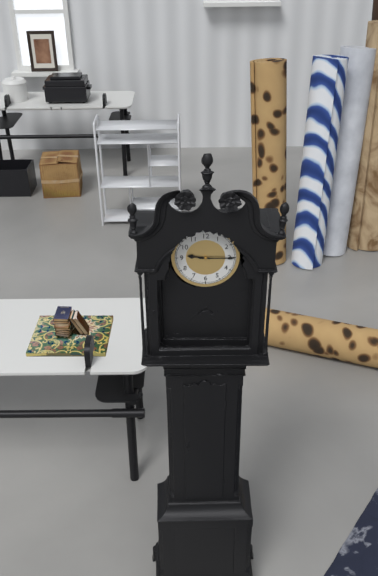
h=9 m=15
